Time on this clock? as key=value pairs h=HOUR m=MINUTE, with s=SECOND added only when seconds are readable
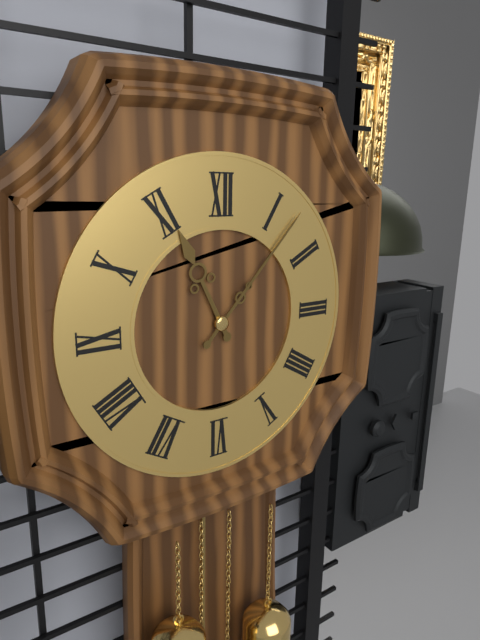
h=11 m=7
